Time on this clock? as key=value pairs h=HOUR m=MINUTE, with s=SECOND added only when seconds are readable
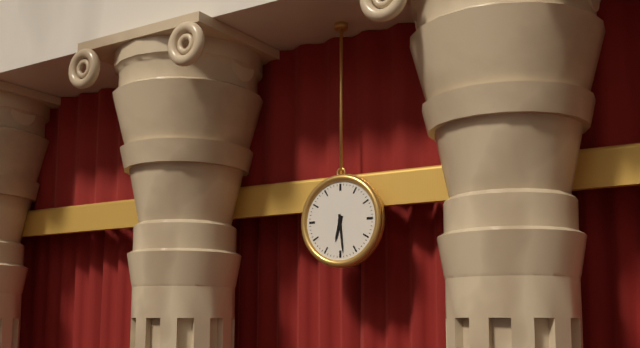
h=6 m=29
